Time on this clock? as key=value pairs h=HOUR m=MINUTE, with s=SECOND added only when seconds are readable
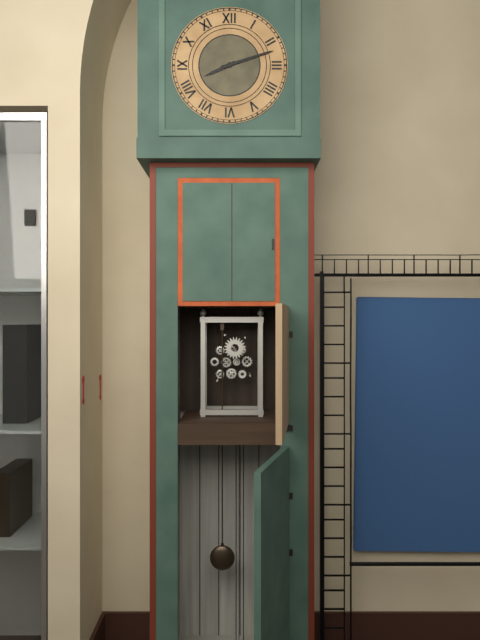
h=8 m=12
